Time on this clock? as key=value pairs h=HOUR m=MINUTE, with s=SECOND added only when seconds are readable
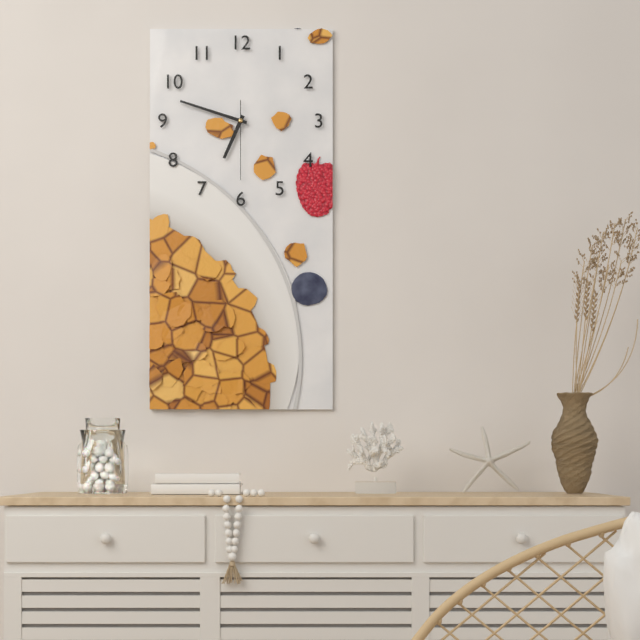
h=6 m=48 s=30
